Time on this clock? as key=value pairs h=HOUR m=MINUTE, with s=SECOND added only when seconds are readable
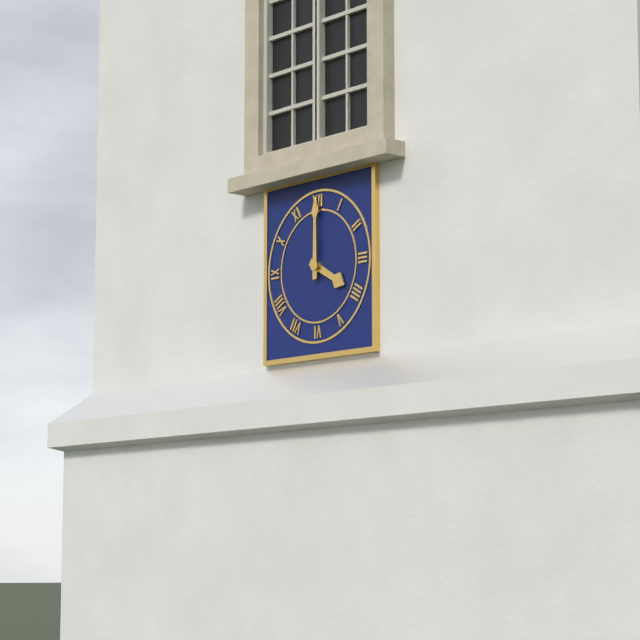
h=4 m=0
